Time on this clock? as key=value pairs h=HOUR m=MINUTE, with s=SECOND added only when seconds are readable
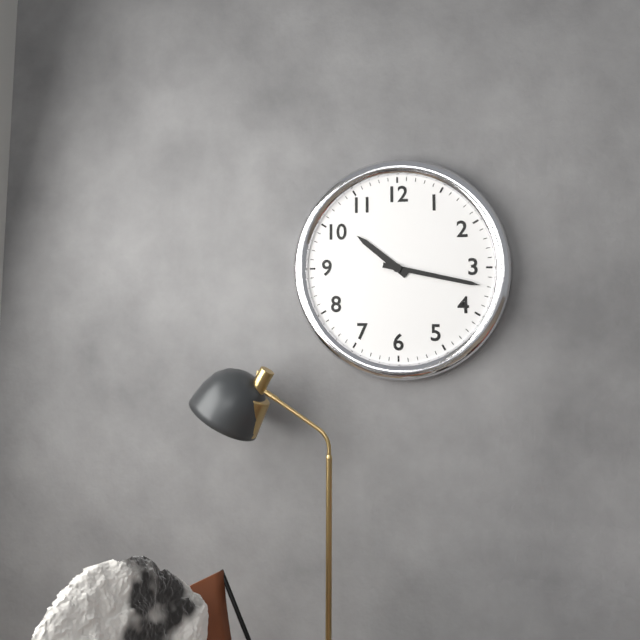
h=10 m=17
